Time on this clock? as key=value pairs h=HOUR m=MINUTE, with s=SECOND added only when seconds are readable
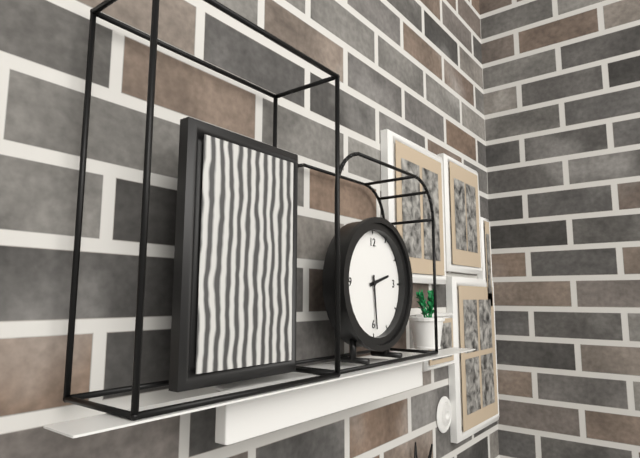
h=2 m=29
